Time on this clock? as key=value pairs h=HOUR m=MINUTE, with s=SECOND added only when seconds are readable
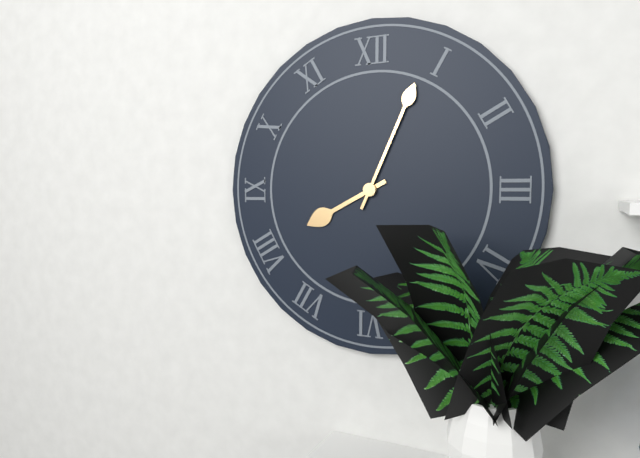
h=8 m=4
